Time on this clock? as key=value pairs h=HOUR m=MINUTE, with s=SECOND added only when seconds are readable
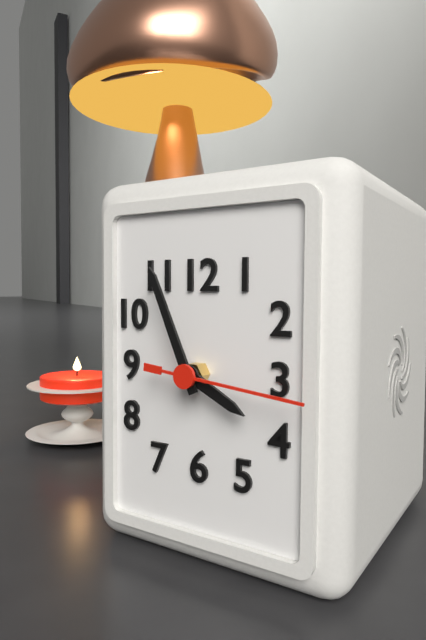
h=3 m=56 s=16
